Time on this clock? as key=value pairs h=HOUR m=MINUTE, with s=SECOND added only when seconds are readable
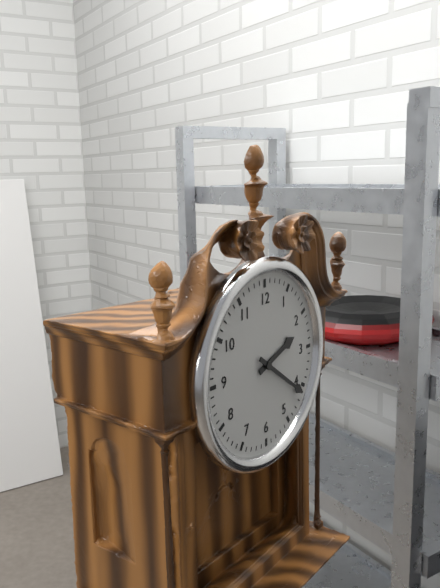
h=2 m=21
